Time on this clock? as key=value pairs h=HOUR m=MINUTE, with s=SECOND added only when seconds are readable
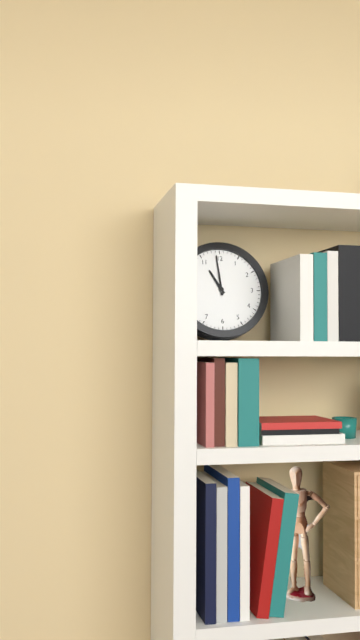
h=10 m=59
